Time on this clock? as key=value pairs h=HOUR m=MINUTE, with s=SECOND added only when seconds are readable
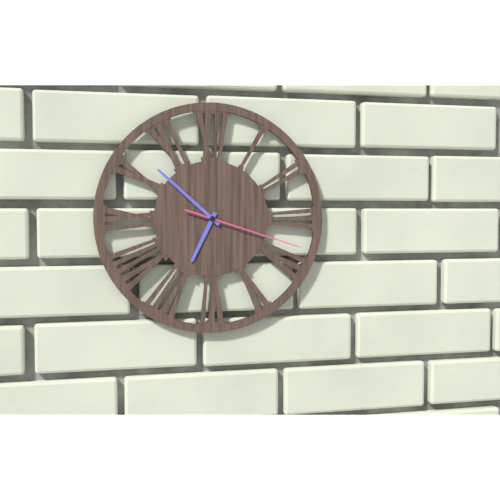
h=6 m=52 s=18
